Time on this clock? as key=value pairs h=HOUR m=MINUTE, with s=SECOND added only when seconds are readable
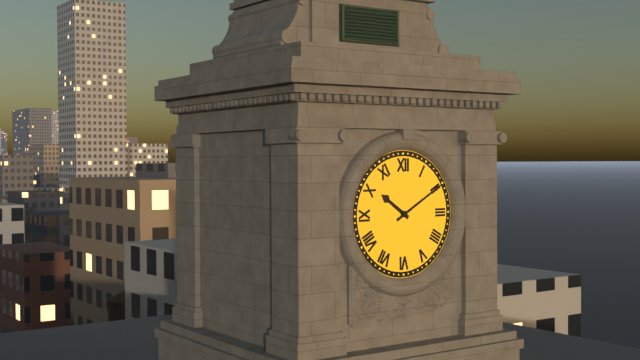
h=10 m=10
